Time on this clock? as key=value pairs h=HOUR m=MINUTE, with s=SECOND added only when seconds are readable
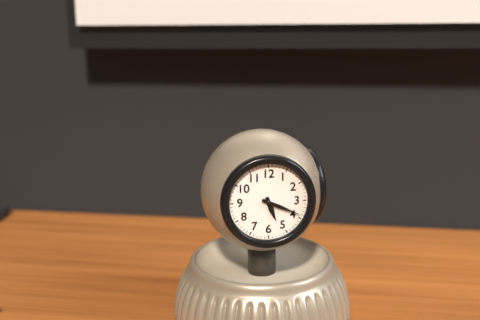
h=5 m=19
